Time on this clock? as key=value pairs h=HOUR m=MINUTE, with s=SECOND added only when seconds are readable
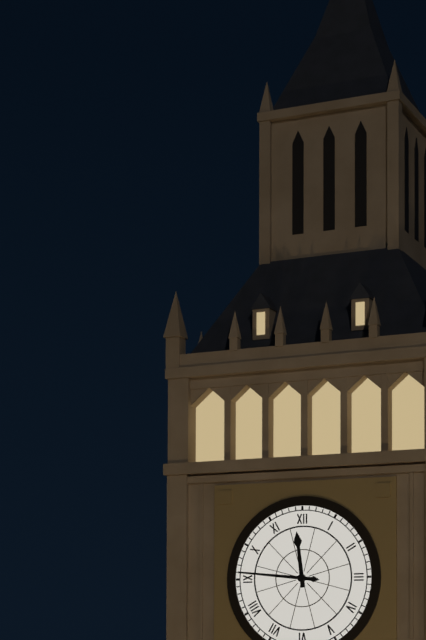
h=11 m=46
